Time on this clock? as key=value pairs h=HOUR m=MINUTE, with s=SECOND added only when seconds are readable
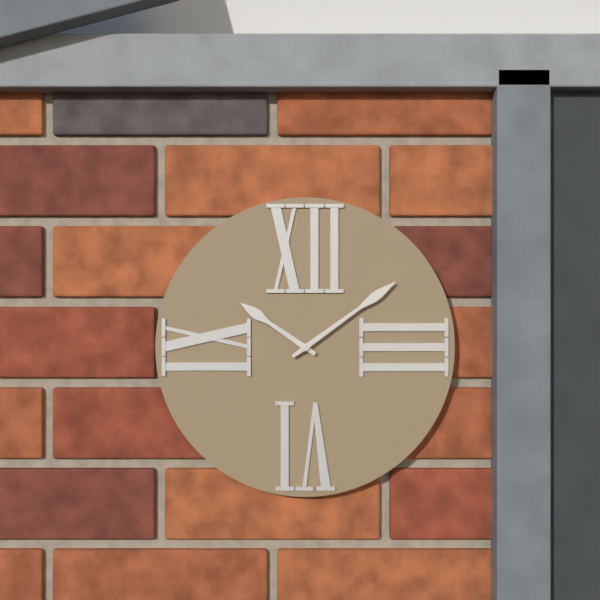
h=10 m=9
